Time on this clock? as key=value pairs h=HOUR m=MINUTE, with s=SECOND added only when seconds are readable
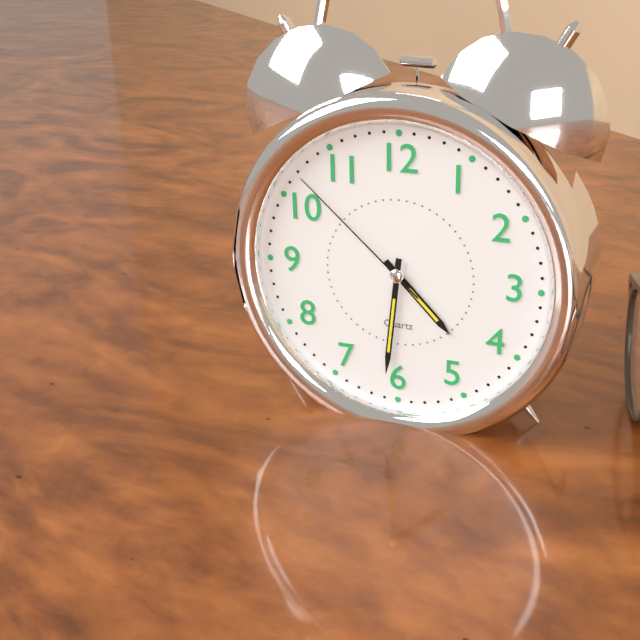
h=4 m=31 s=52
